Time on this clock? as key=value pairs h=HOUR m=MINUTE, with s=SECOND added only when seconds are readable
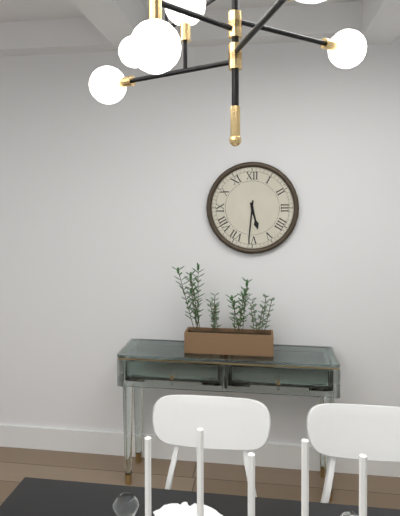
h=5 m=31
